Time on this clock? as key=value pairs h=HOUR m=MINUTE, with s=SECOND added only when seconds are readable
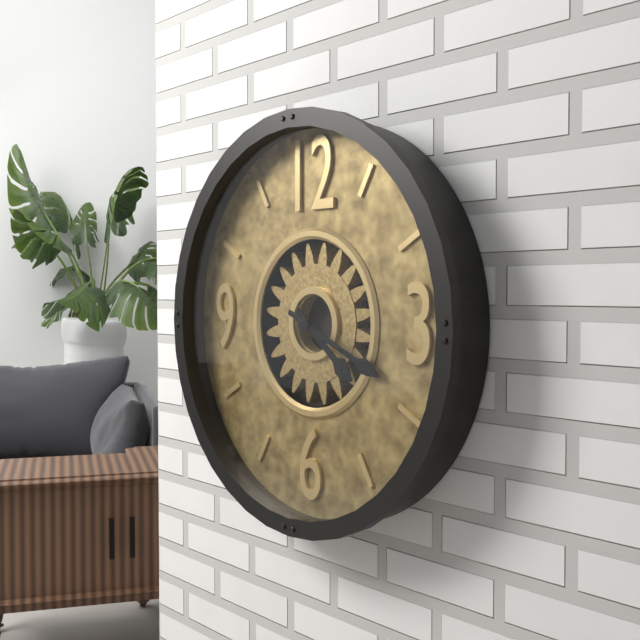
h=4 m=19
